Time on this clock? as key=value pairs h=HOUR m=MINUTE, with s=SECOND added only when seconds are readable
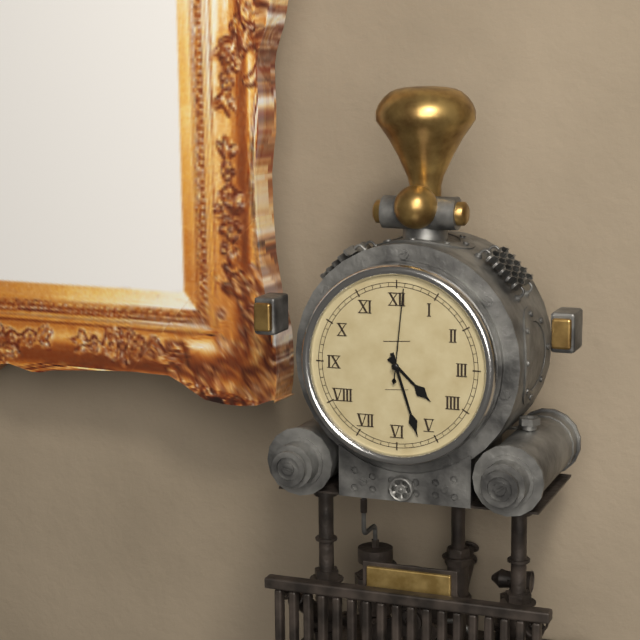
h=4 m=27 s=1
